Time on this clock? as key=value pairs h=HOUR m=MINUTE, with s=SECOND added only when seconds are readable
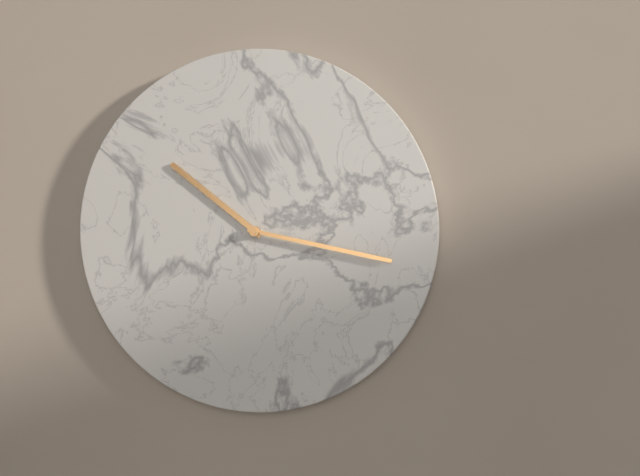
h=10 m=17
